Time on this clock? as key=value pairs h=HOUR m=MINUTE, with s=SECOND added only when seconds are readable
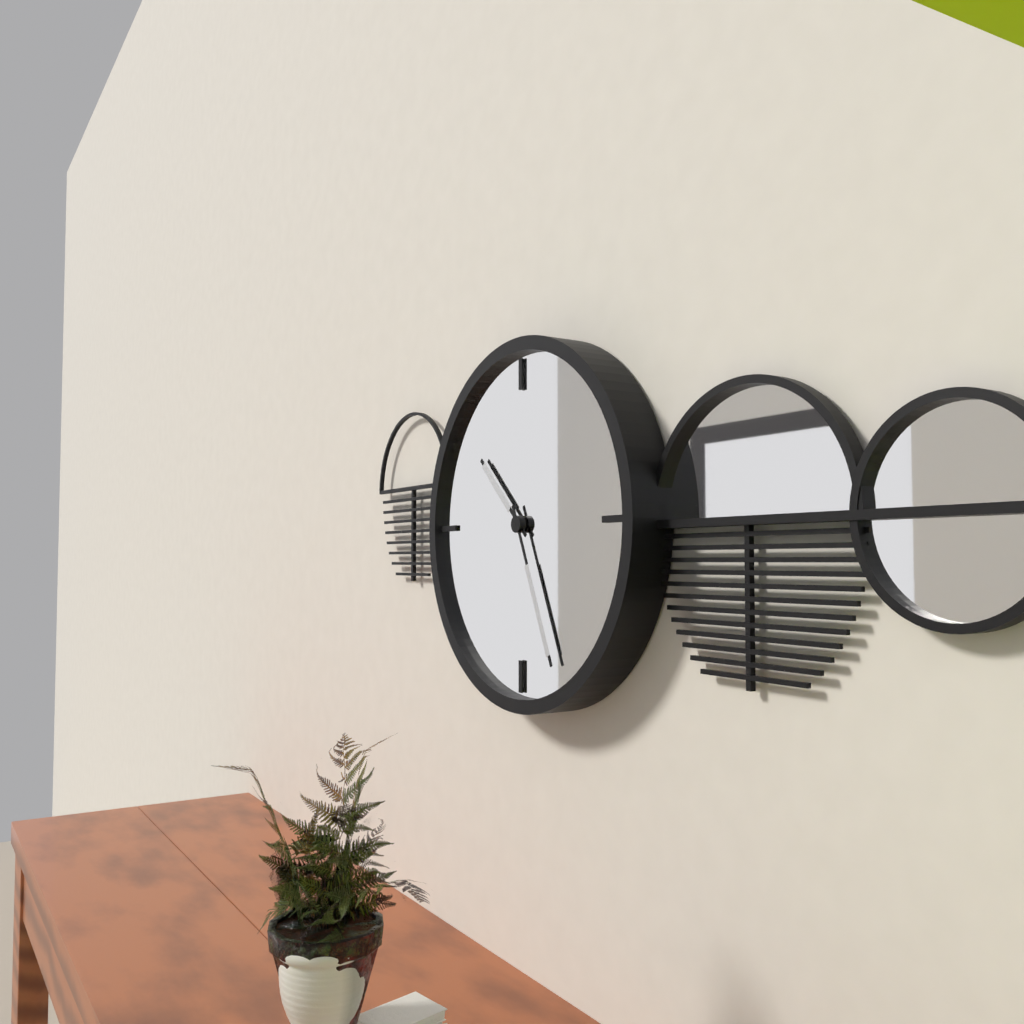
h=10 m=26
